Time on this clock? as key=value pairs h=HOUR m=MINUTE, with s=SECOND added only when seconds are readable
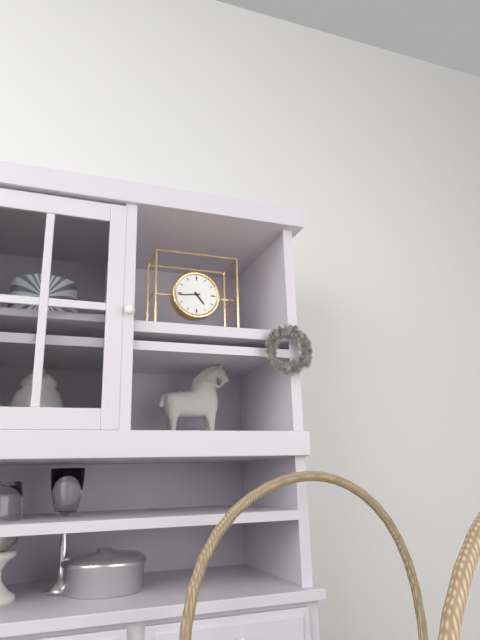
h=4 m=44
